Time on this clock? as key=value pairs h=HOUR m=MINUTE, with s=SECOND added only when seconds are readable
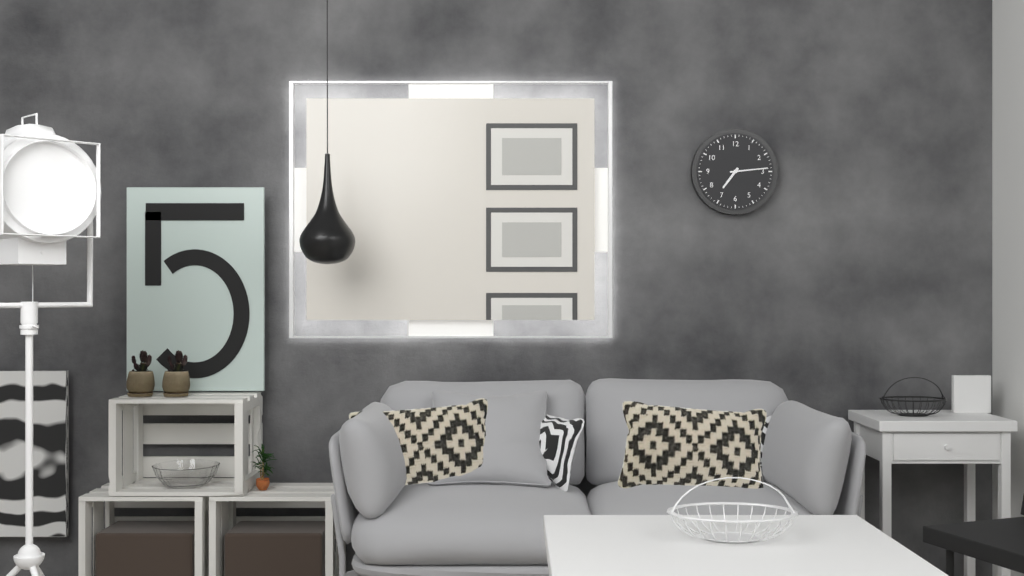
h=7 m=14
